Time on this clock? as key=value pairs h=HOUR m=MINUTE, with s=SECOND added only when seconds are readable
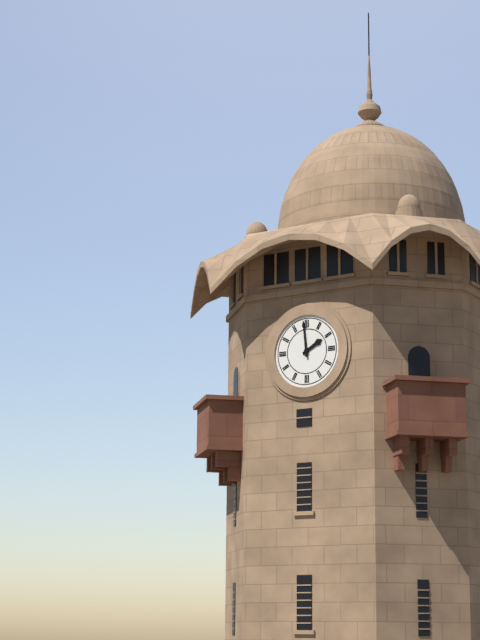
h=1 m=59
